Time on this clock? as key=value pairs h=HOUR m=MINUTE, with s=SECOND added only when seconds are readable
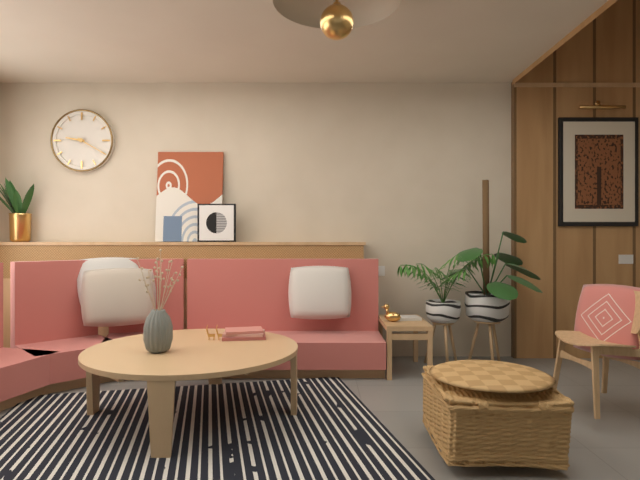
h=9 m=20
